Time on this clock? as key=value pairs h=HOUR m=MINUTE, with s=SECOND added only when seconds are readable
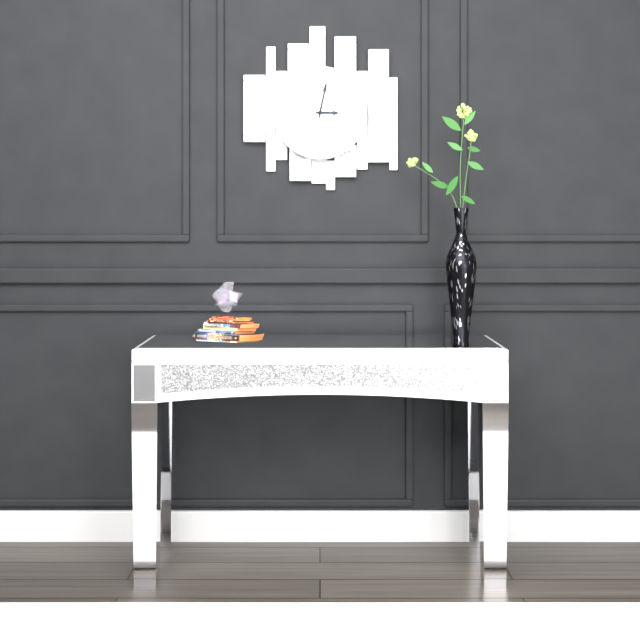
h=3 m=2
